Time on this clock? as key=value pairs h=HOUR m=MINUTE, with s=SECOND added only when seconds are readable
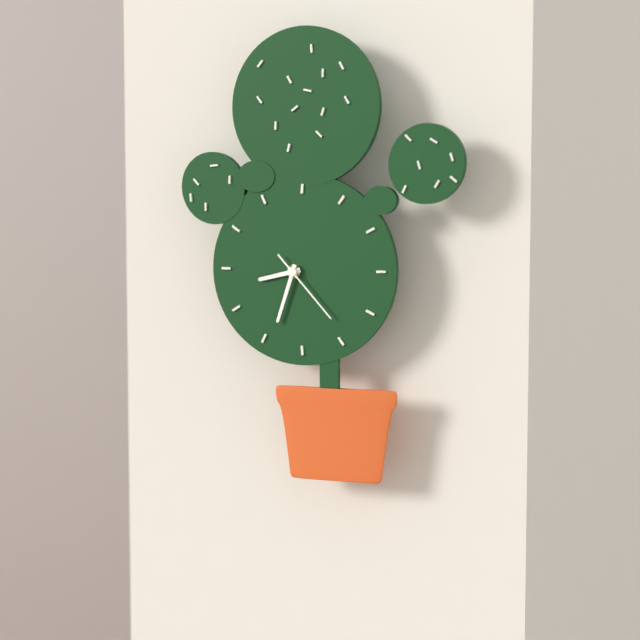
h=8 m=33 s=23
